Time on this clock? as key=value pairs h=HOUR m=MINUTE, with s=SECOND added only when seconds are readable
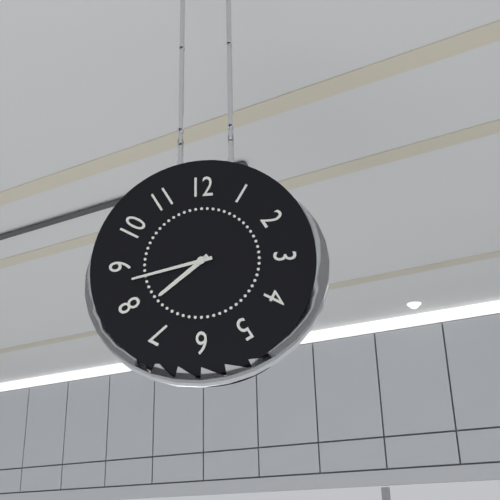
h=7 m=43
